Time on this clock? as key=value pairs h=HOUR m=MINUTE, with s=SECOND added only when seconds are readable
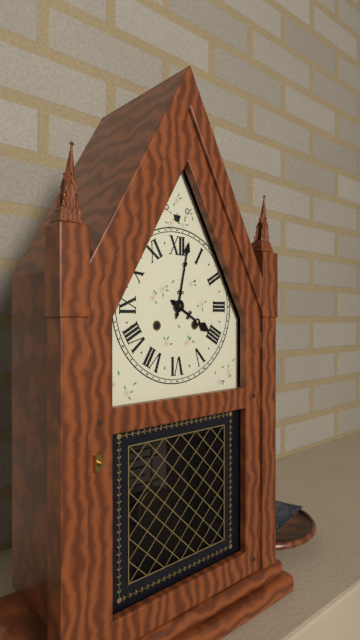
h=4 m=2
